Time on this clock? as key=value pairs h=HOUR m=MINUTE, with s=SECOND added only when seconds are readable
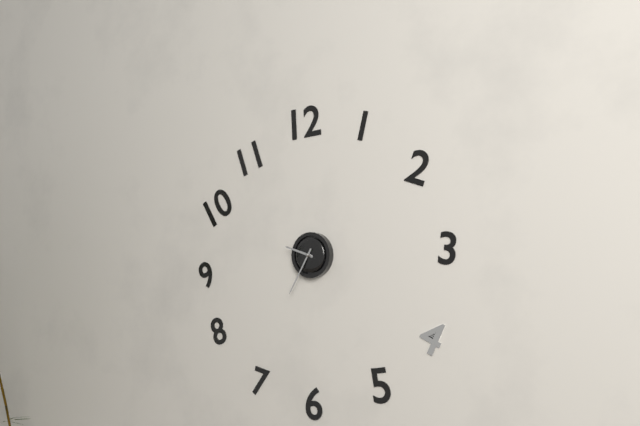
h=9 m=35
